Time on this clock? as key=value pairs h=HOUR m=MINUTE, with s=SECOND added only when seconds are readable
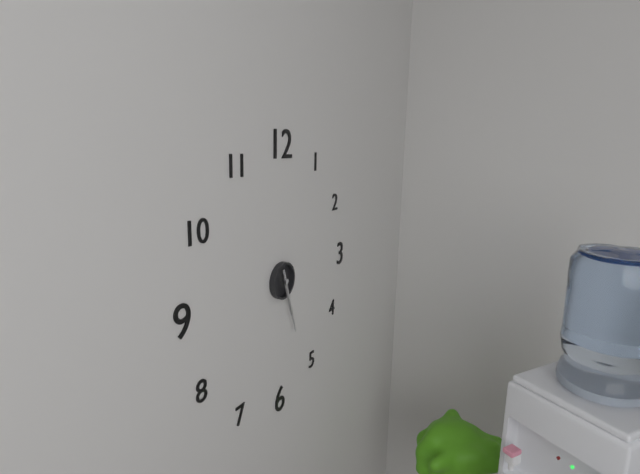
h=5 m=27
